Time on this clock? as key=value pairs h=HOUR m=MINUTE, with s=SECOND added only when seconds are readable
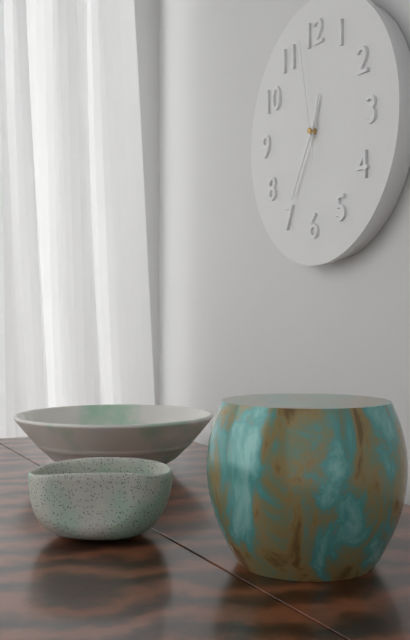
h=12 m=35 s=58
